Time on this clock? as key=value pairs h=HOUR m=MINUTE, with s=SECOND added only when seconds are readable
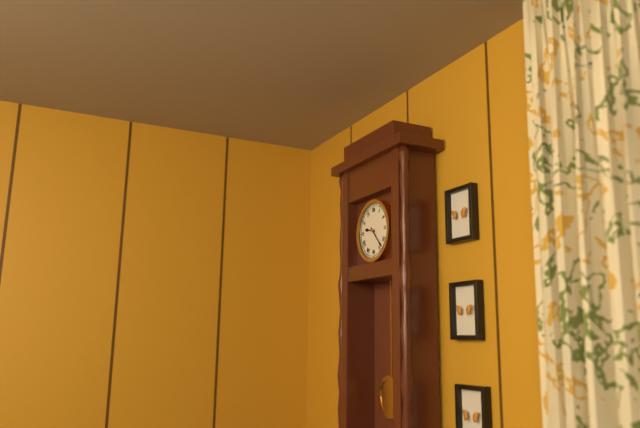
h=9 m=23
